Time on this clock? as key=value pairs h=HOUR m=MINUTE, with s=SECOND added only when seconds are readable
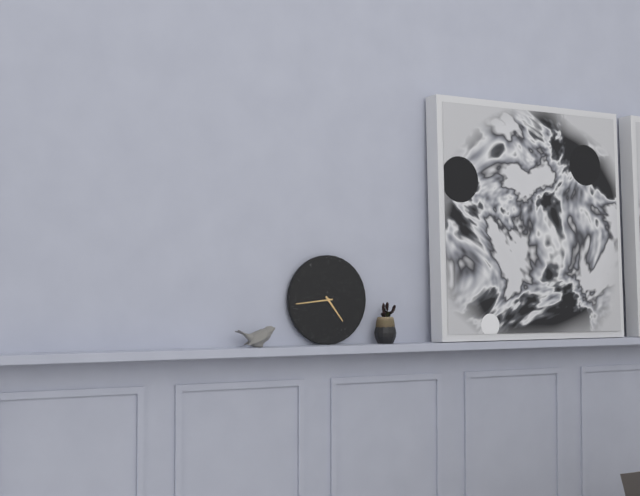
h=4 m=44
